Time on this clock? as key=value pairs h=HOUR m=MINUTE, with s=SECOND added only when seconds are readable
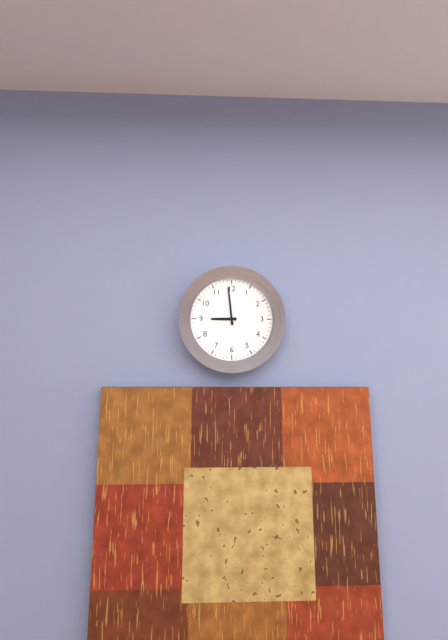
h=8 m=59
